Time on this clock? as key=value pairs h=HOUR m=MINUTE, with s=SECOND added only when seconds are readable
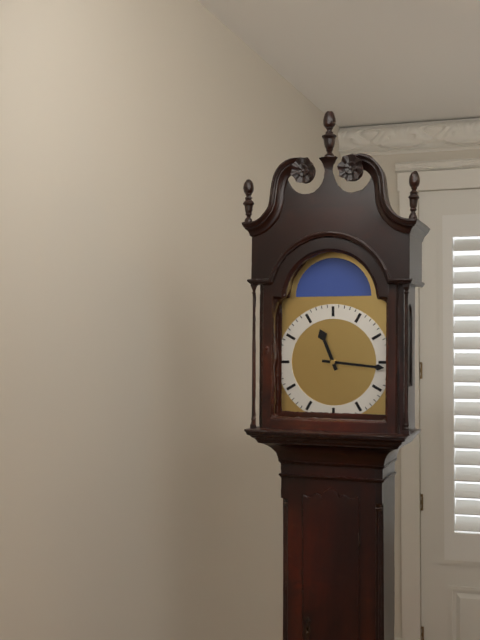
h=11 m=16
